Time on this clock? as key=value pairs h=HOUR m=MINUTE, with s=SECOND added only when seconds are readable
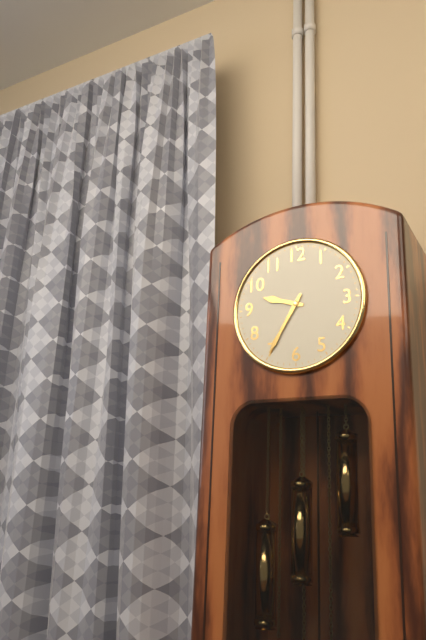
h=9 m=35
